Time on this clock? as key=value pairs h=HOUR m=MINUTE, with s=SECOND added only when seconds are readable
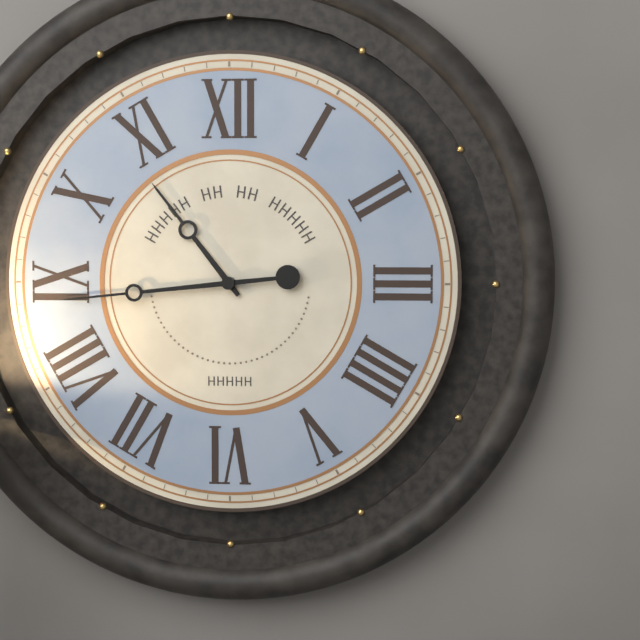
h=10 m=44
